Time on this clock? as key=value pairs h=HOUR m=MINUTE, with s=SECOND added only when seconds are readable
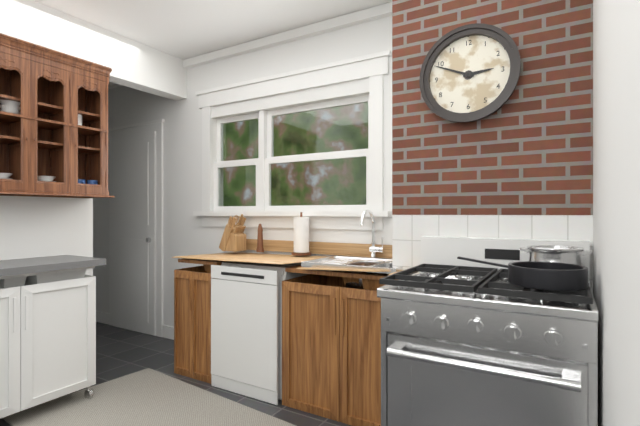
h=2 m=49
